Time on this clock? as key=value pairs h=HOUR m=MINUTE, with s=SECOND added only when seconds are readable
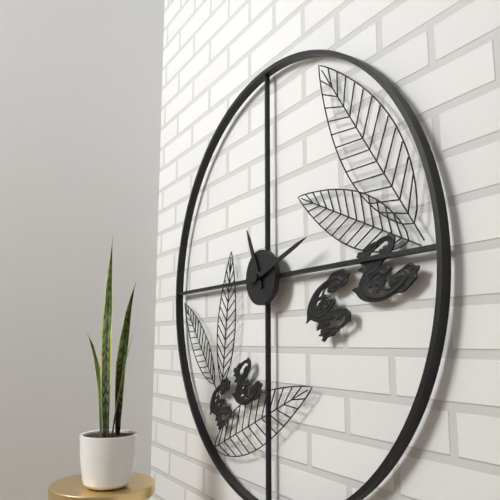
h=11 m=12
